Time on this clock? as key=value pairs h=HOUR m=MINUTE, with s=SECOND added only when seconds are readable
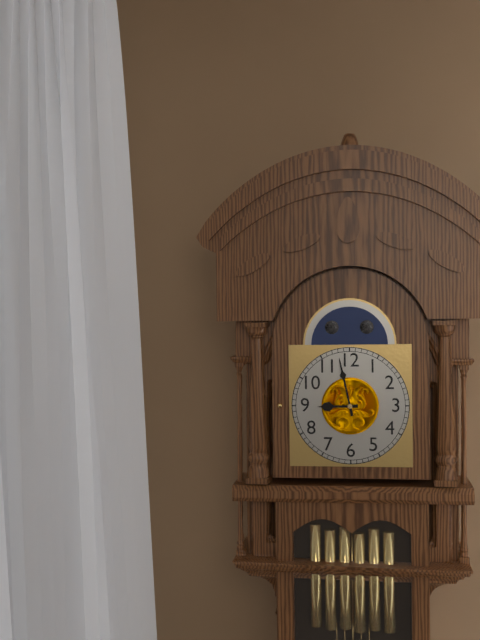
h=8 m=58
